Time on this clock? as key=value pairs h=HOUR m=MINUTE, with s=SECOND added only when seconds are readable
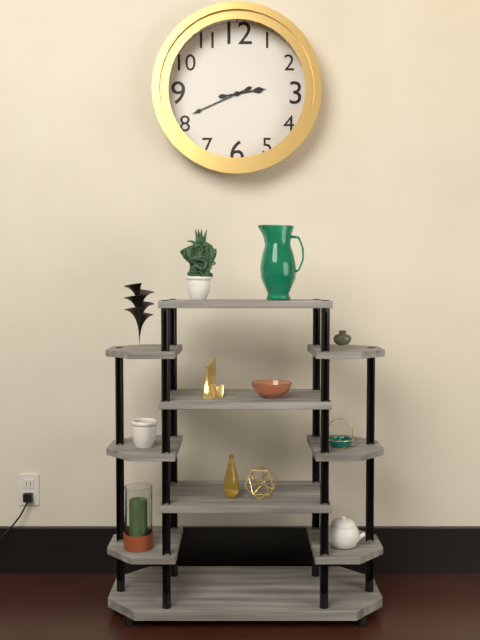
h=2 m=41
